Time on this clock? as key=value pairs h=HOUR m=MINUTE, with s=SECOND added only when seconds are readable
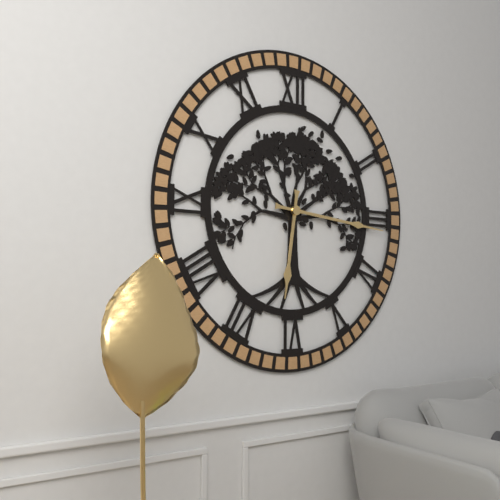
h=6 m=16
